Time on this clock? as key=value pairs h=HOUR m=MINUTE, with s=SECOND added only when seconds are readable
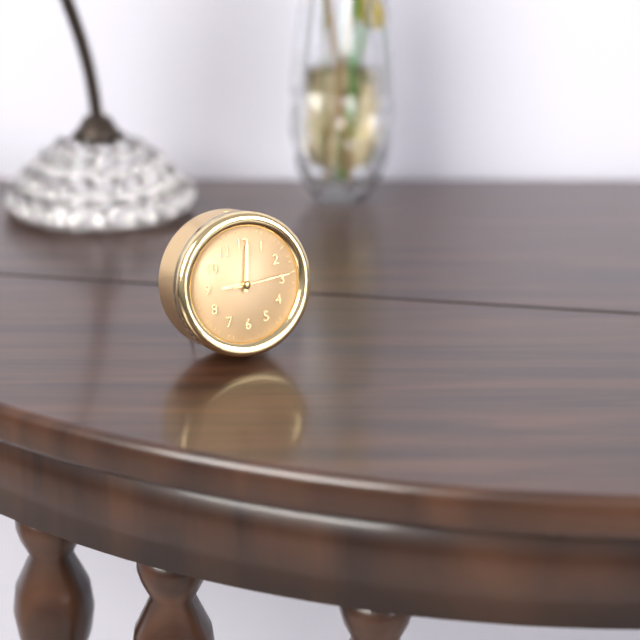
h=9 m=1 s=14
